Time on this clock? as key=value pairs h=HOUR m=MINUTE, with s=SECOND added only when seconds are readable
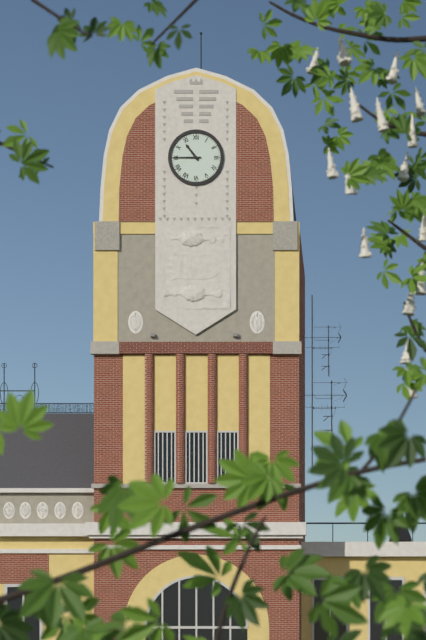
h=10 m=45
